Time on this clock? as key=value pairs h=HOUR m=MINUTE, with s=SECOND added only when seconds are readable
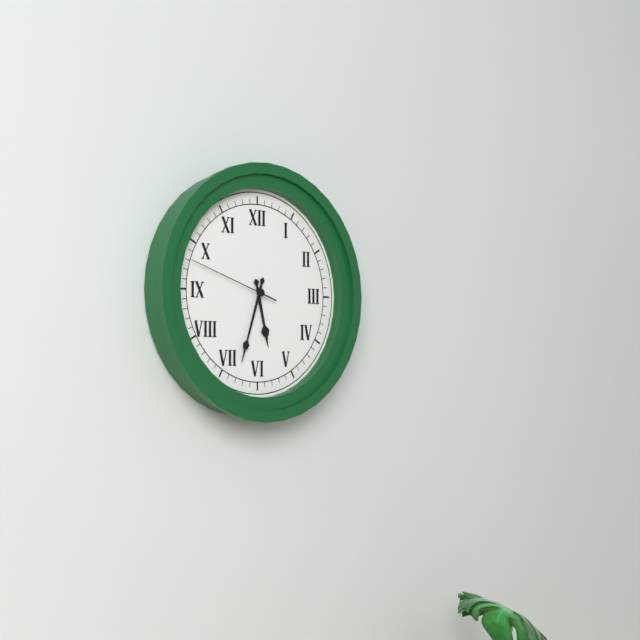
h=5 m=33 s=48
